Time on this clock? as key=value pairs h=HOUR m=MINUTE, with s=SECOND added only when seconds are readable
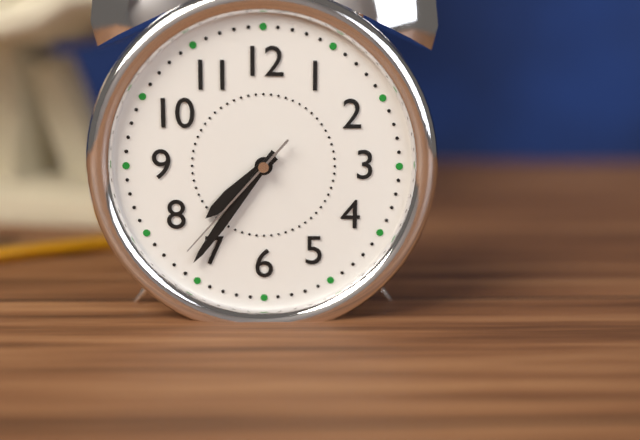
h=7 m=36 s=37
